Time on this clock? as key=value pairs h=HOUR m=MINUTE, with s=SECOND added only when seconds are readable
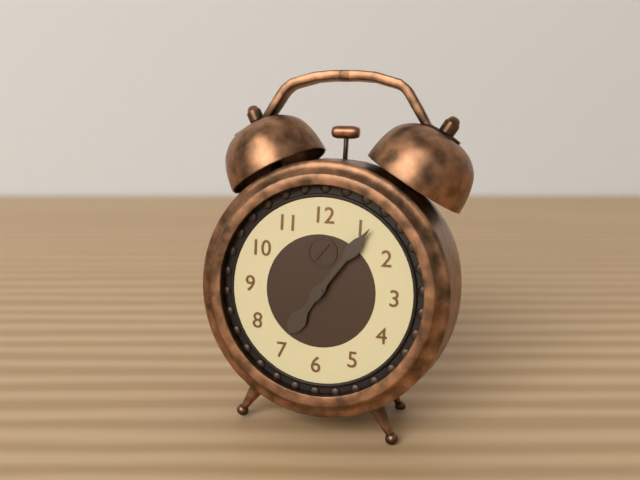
h=7 m=6
